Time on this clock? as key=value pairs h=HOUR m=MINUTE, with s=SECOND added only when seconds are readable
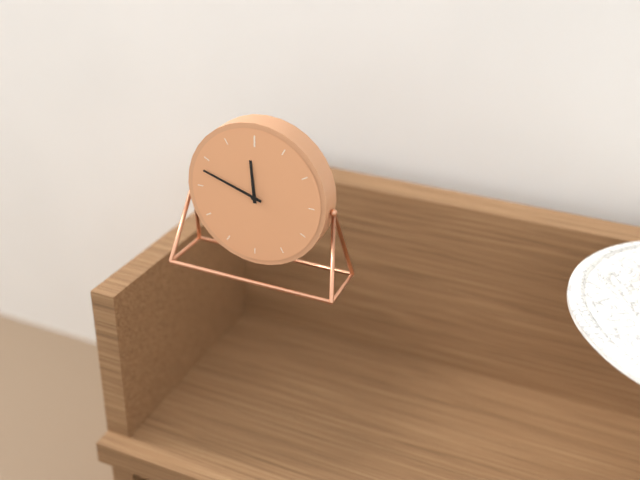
h=11 m=48
